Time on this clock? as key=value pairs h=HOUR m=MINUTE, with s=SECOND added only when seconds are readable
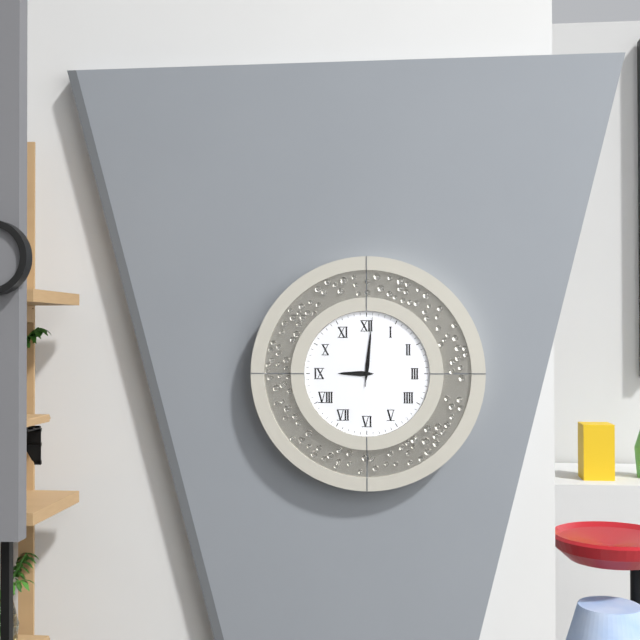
h=9 m=1 s=1
